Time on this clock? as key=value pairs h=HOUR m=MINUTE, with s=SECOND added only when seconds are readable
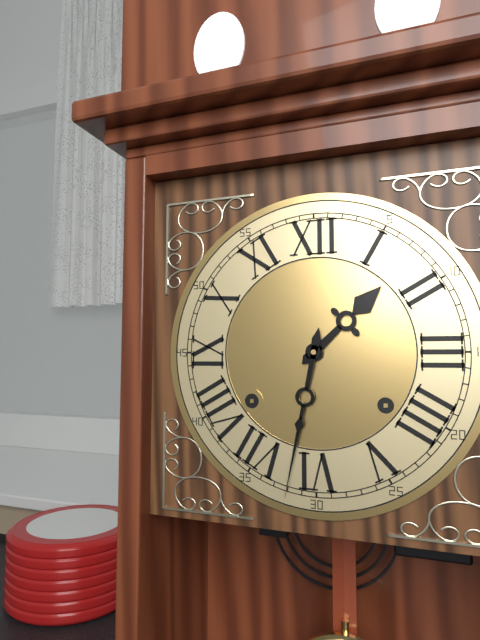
h=1 m=32
